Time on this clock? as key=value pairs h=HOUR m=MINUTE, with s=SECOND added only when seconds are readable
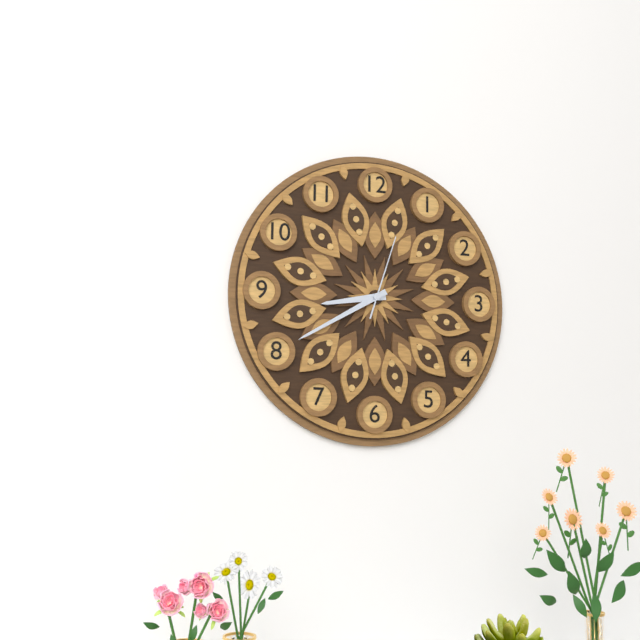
h=8 m=40 s=3
